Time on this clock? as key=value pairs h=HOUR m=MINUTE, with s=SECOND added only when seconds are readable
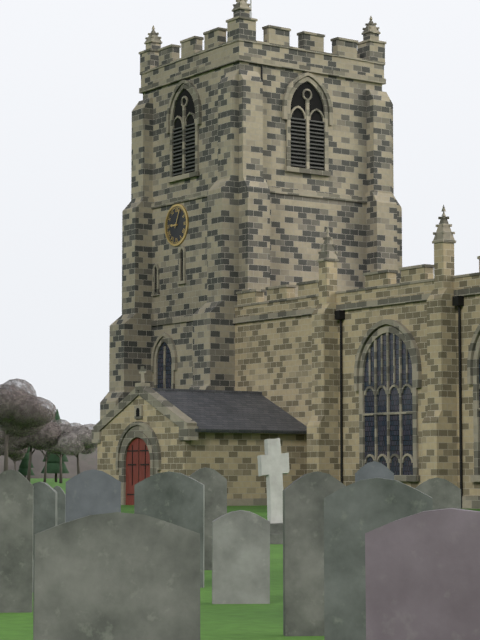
h=9 m=4
